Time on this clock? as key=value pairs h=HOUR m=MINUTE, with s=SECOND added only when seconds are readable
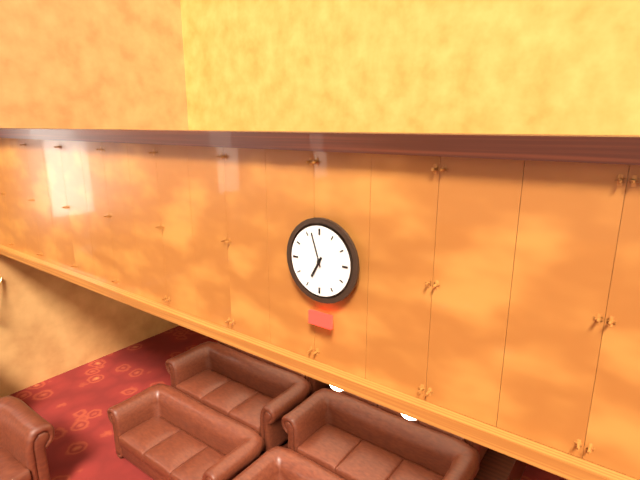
h=6 m=57
